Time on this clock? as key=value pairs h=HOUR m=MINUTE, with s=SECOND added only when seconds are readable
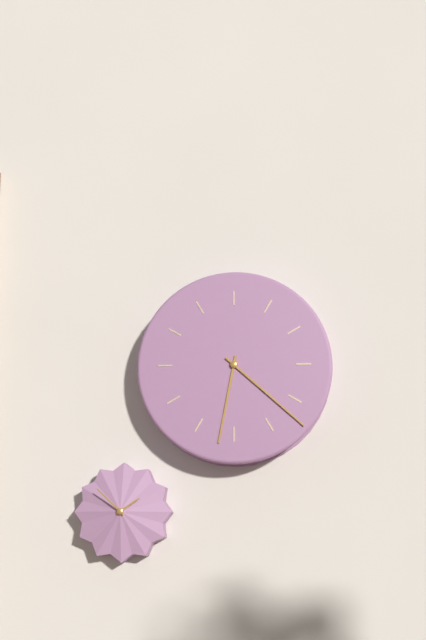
h=6 m=22
